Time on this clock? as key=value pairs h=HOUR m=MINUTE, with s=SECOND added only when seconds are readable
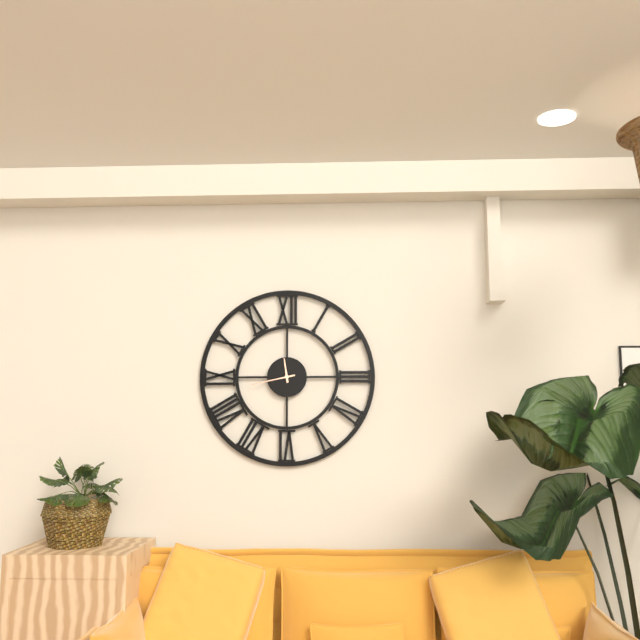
h=11 m=43
